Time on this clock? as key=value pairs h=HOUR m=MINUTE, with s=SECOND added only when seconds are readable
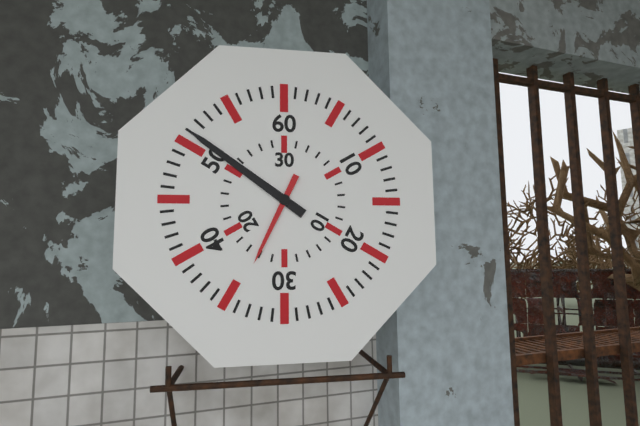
h=6 m=51
